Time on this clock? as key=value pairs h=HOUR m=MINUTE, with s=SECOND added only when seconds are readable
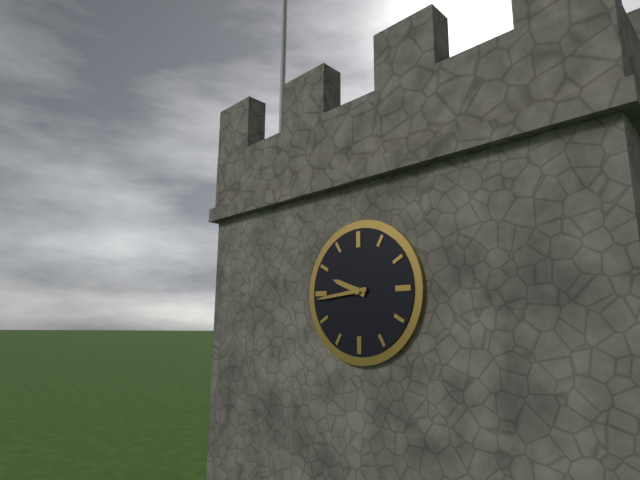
h=9 m=44
